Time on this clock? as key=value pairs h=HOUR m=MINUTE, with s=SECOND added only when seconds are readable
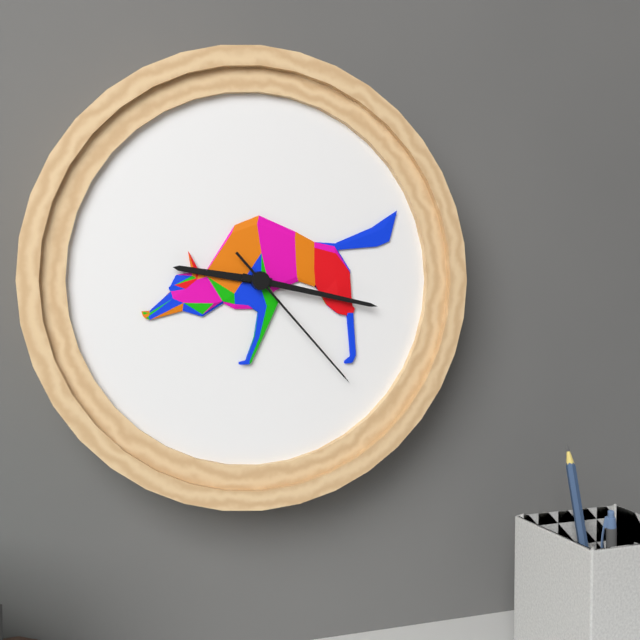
h=9 m=17 s=23
